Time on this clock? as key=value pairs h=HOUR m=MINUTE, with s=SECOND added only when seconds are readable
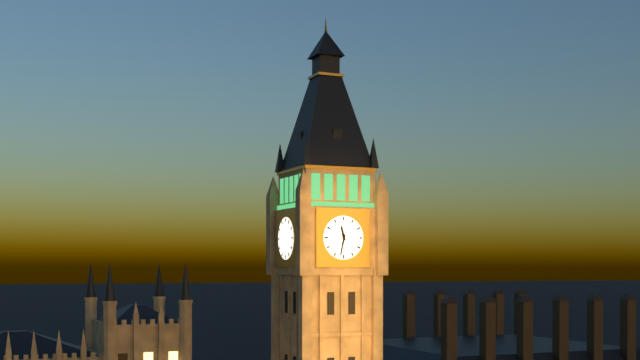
h=11 m=32
